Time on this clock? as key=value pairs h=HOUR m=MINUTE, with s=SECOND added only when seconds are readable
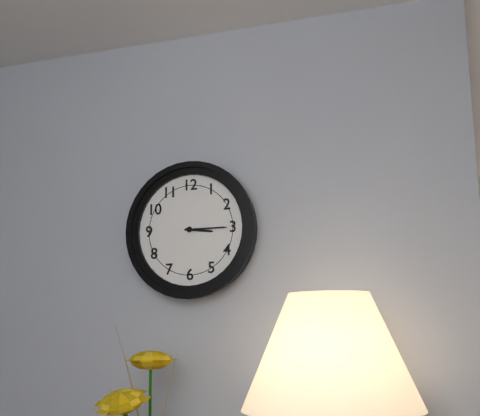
h=3 m=15
